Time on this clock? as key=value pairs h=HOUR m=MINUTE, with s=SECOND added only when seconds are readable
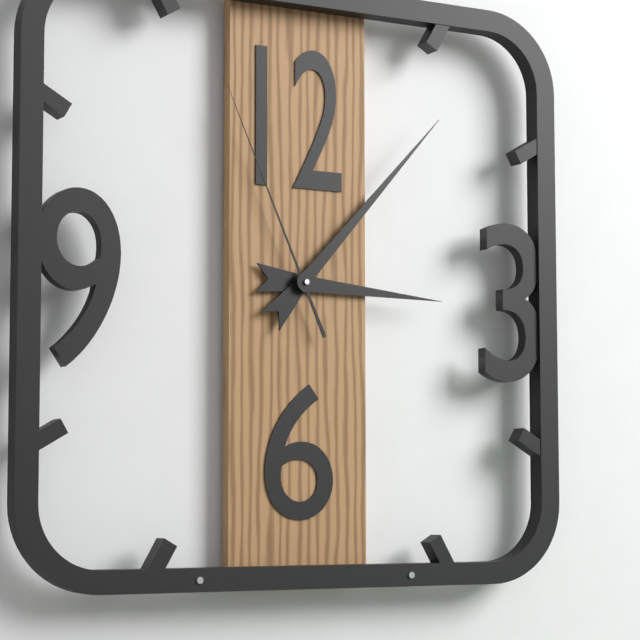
h=3 m=7 s=56
